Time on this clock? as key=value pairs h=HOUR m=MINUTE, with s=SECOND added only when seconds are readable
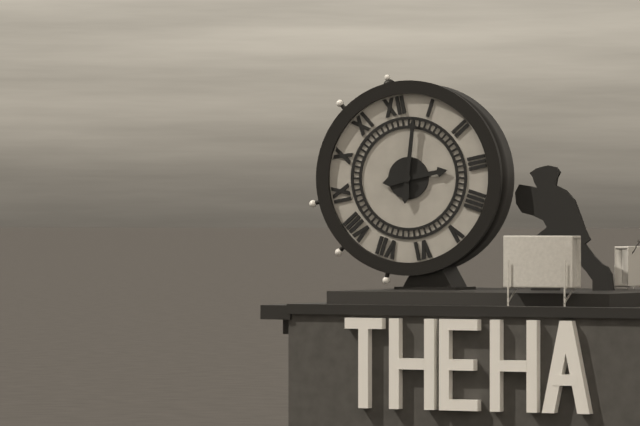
h=3 m=3
